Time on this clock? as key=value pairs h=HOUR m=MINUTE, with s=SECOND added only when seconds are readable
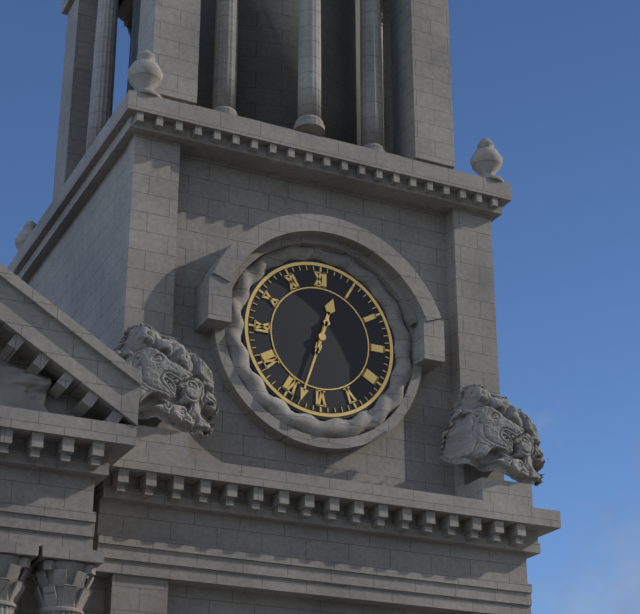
h=12 m=33
